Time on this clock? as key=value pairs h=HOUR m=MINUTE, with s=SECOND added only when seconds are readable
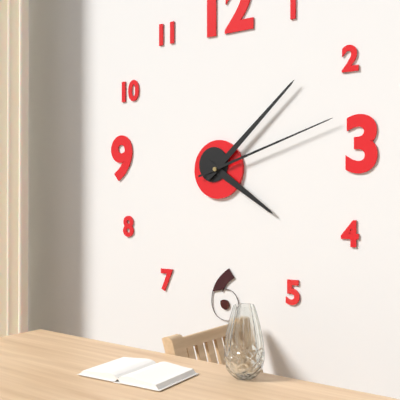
h=4 m=8 s=12
